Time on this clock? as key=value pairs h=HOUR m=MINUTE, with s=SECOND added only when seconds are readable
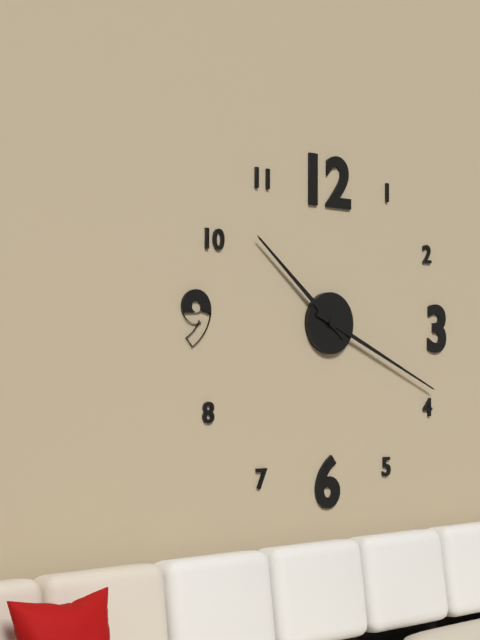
h=10 m=19
